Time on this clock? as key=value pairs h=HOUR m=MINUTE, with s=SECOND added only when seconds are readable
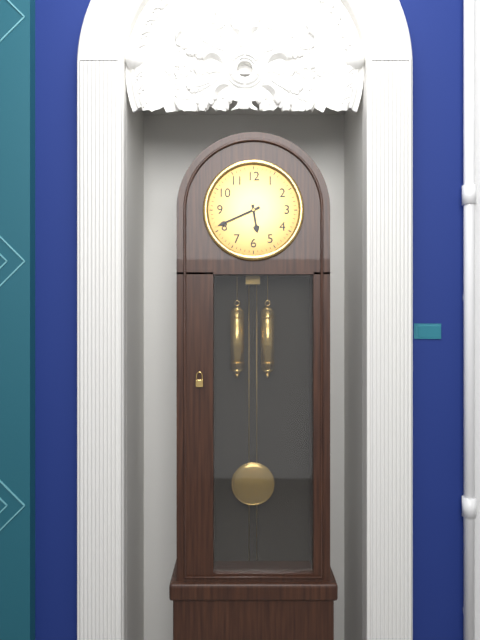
h=5 m=41
